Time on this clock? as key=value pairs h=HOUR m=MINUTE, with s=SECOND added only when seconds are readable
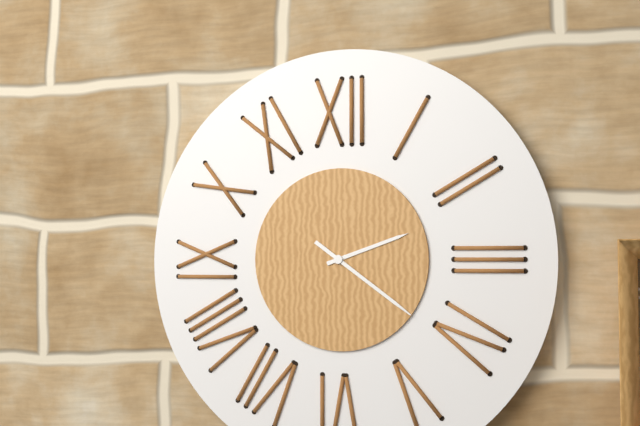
h=2 m=21
